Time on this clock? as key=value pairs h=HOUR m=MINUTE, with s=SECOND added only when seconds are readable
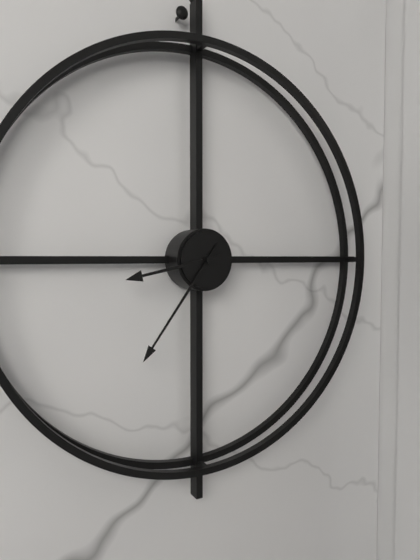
h=8 m=36
